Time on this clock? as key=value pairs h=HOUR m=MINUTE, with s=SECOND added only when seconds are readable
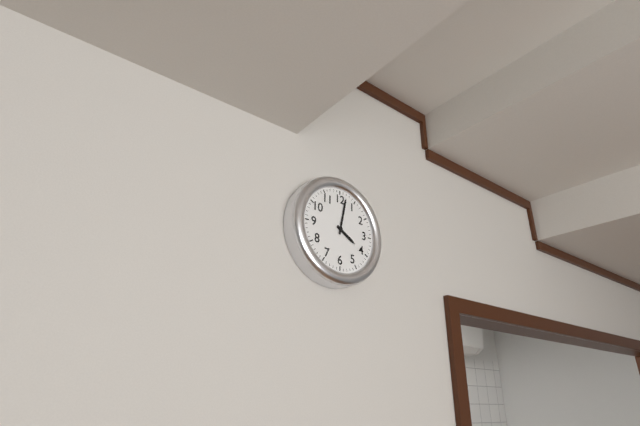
h=4 m=2
